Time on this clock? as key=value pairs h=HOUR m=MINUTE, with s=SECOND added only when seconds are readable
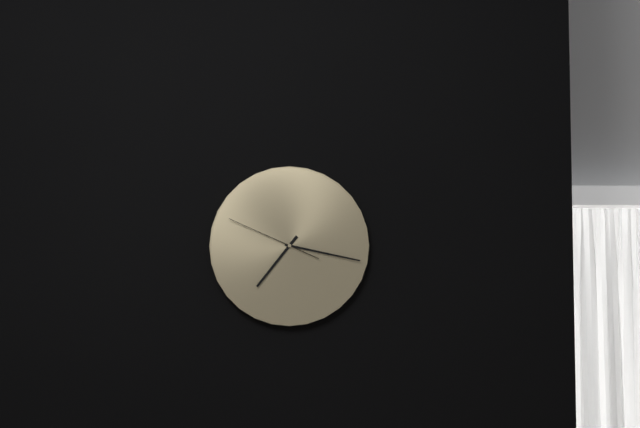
h=7 m=17 s=49
